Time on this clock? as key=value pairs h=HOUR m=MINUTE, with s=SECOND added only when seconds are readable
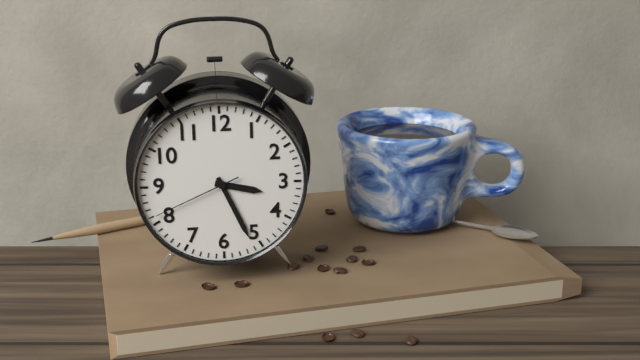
h=3 m=26 s=41
